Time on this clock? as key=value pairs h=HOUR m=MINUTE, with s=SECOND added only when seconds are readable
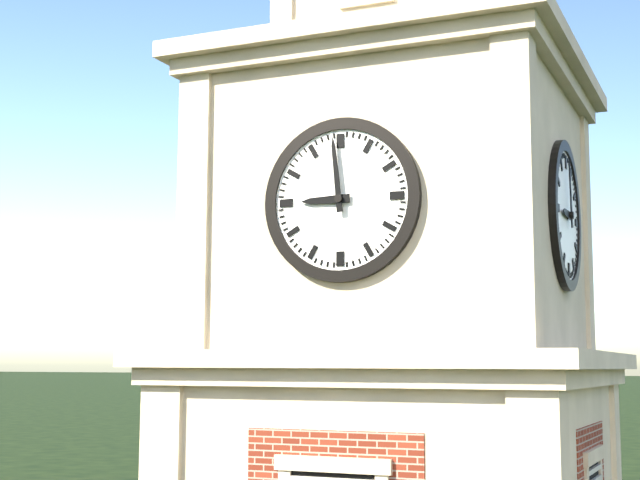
h=8 m=59
